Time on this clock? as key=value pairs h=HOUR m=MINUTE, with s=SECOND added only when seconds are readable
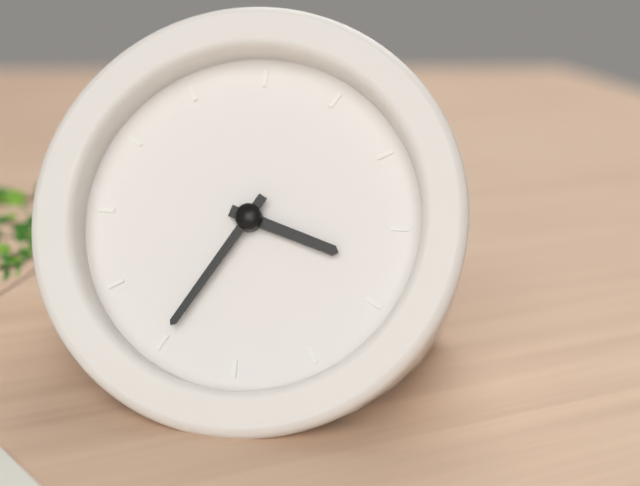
h=3 m=35
